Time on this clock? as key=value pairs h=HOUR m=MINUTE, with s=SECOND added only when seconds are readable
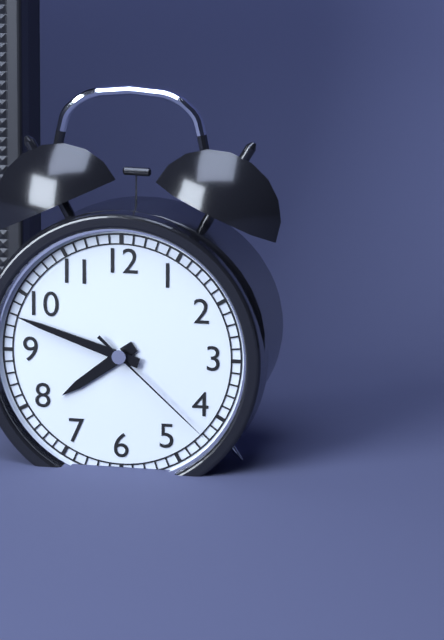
h=7 m=48 s=22
